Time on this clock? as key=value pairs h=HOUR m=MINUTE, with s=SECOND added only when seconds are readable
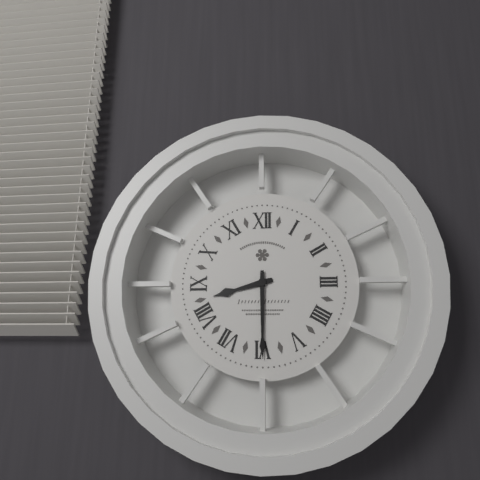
h=8 m=30
